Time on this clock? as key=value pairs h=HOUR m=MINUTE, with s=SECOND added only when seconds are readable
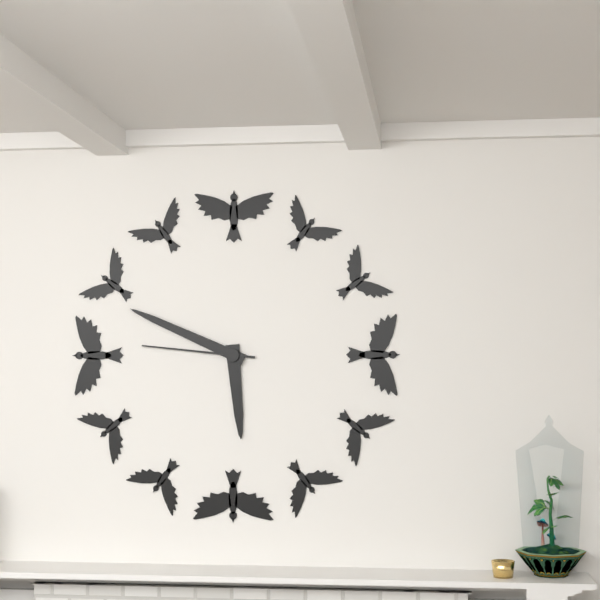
h=5 m=49 s=46
